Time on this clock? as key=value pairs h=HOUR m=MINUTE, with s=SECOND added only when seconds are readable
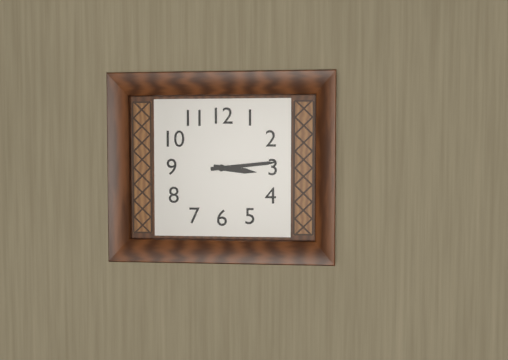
h=3 m=14
